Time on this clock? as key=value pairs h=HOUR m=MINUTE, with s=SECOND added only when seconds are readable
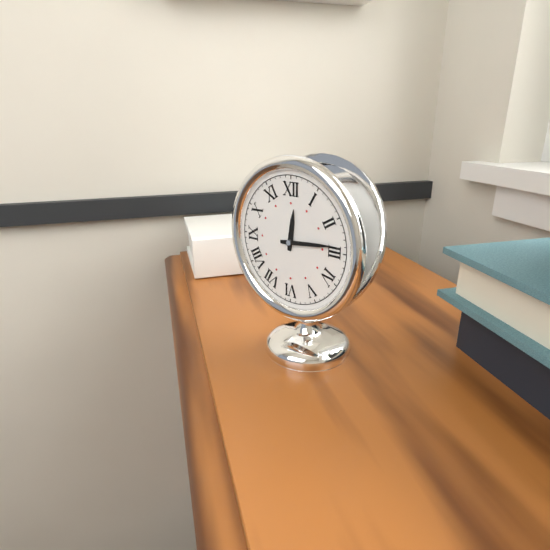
h=12 m=14
